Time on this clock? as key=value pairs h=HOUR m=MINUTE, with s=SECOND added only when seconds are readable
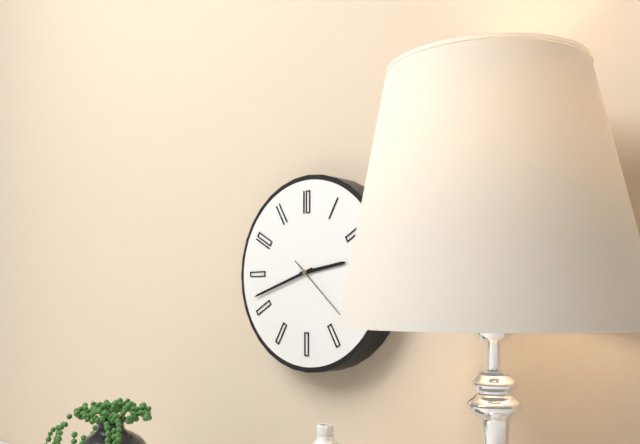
h=2 m=42 s=22
